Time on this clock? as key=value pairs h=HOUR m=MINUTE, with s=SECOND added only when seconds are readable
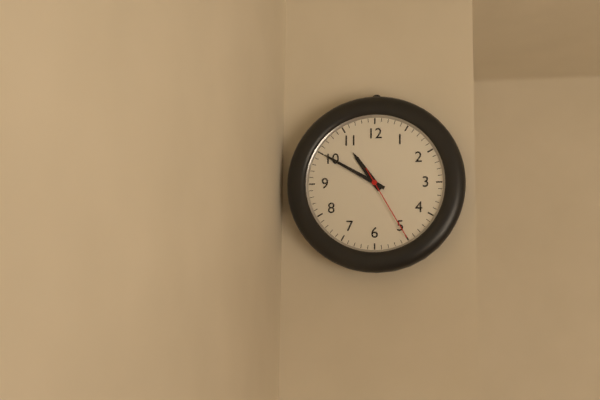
h=10 m=50 s=25
